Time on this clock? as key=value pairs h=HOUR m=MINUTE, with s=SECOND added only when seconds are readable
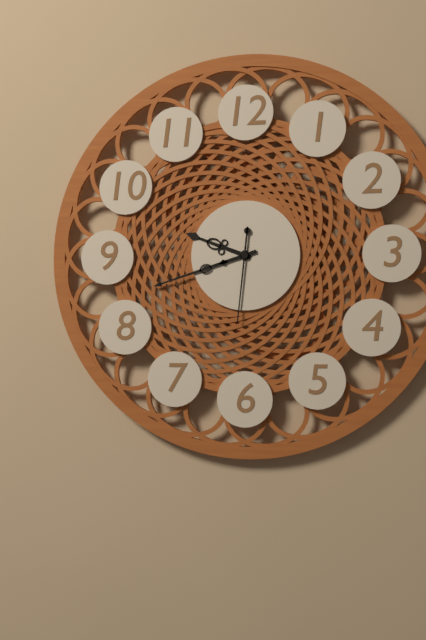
h=9 m=42 s=31
